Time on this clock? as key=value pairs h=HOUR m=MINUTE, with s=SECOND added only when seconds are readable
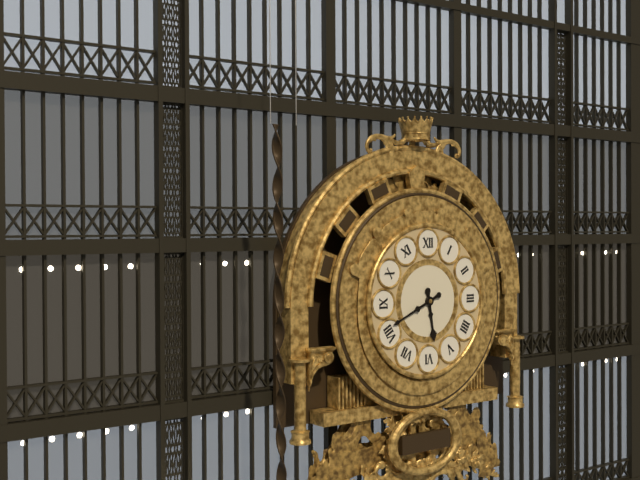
h=5 m=41
